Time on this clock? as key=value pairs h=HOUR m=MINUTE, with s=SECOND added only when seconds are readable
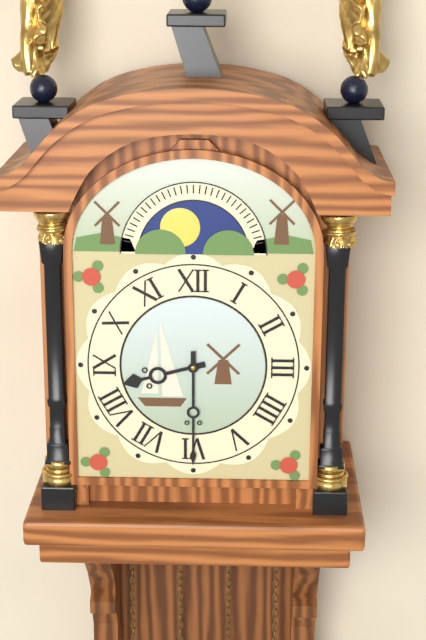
h=8 m=30
